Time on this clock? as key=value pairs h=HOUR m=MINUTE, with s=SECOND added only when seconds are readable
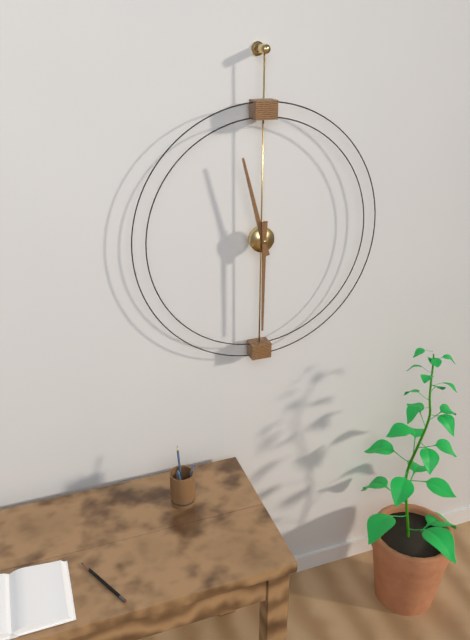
h=11 m=30
